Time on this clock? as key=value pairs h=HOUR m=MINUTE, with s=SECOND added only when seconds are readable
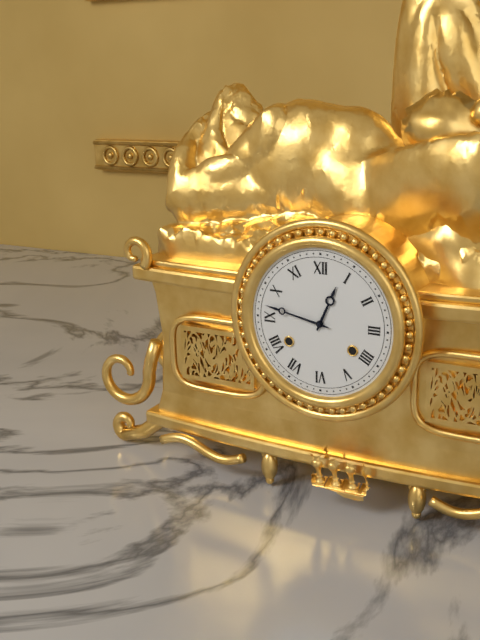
h=12 m=47
